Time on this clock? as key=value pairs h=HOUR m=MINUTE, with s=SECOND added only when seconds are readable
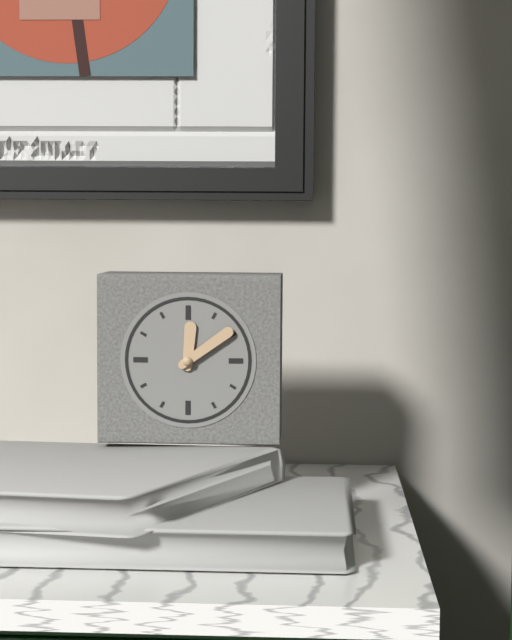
h=12 m=9
